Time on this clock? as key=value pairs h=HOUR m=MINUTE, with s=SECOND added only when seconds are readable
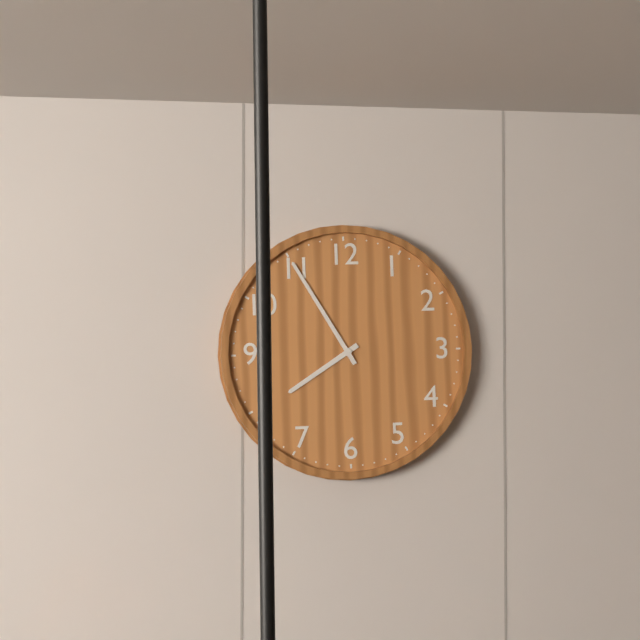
h=7 m=55
